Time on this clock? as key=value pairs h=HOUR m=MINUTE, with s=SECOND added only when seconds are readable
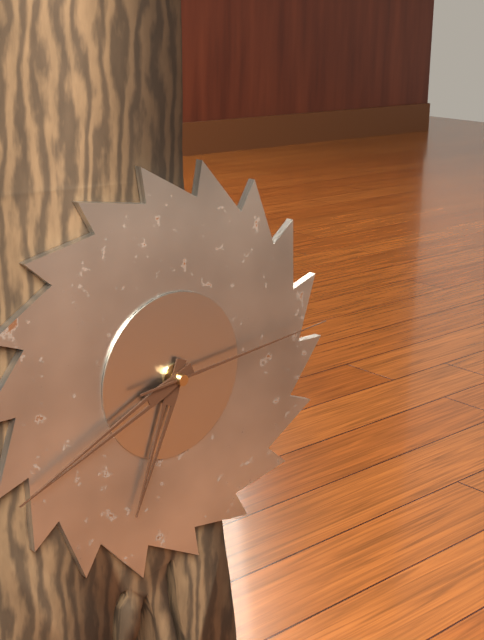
h=6 m=41 s=14
